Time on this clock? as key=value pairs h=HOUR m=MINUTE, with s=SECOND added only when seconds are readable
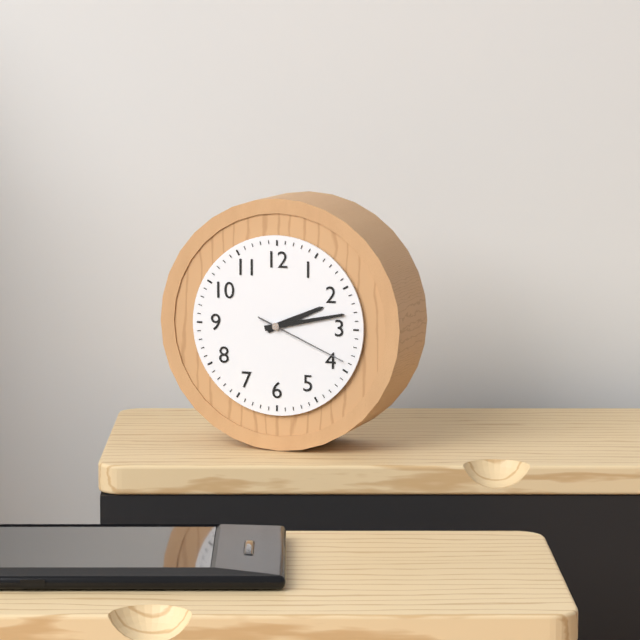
h=2 m=13 s=19
